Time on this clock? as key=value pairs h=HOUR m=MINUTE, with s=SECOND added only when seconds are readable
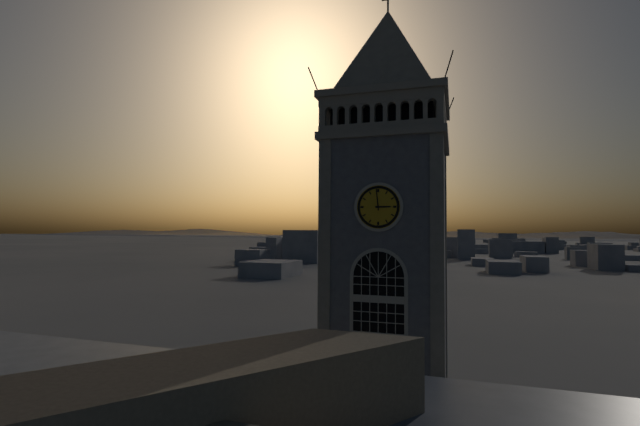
h=2 m=59
